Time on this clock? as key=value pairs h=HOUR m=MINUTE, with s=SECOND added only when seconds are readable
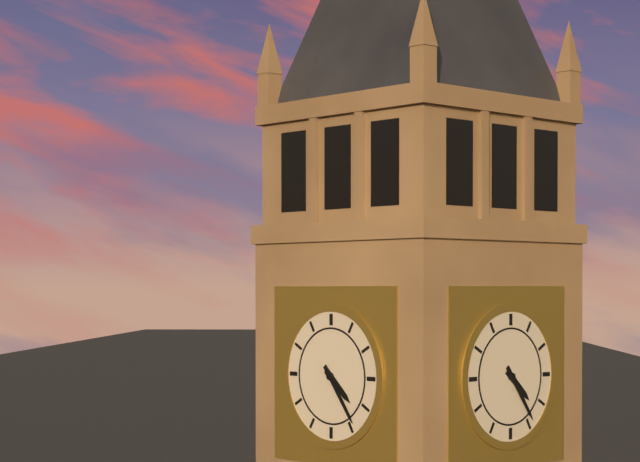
h=4 m=24
